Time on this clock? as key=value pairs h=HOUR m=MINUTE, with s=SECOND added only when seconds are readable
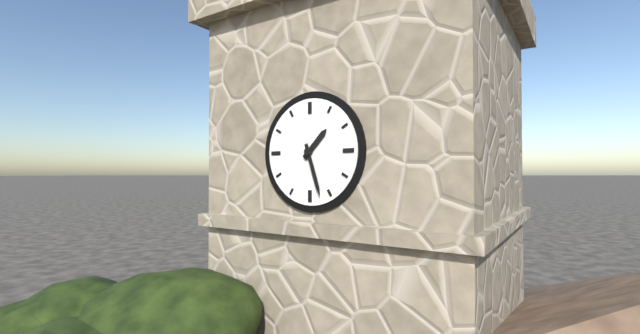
h=1 m=27
